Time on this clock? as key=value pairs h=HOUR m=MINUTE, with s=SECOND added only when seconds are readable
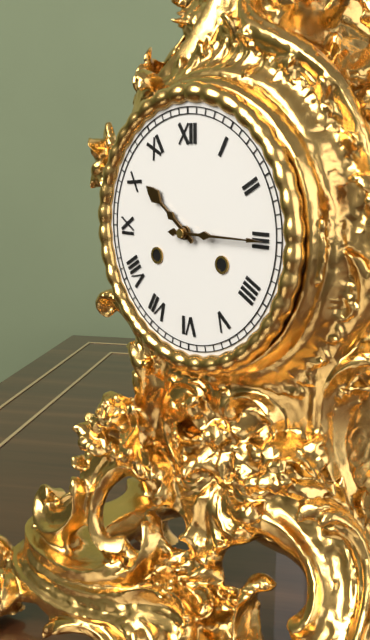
h=10 m=15
